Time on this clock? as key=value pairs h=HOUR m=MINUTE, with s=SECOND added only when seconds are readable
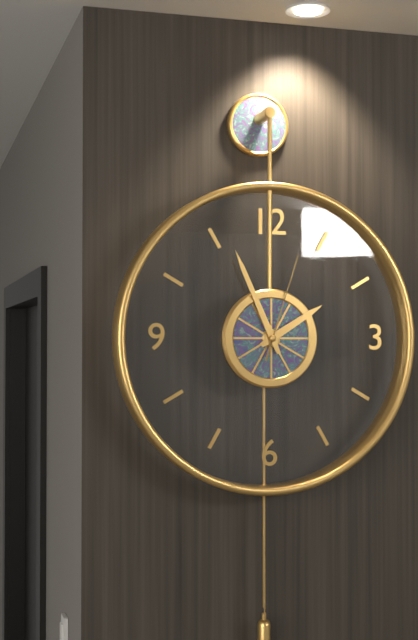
h=1 m=56 s=3
